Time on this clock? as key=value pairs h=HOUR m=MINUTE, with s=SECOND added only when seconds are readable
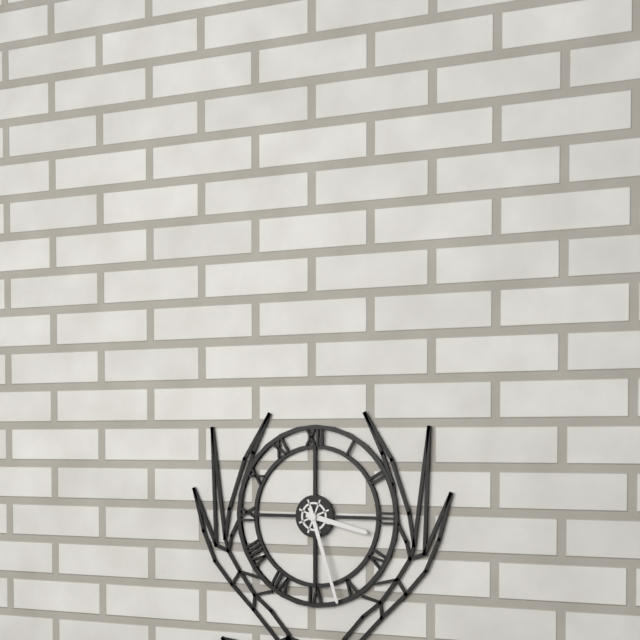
h=3 m=27
